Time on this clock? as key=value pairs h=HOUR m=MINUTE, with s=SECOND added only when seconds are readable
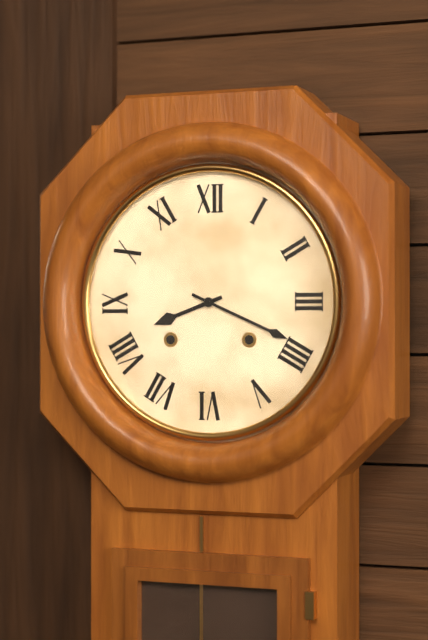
h=8 m=19
